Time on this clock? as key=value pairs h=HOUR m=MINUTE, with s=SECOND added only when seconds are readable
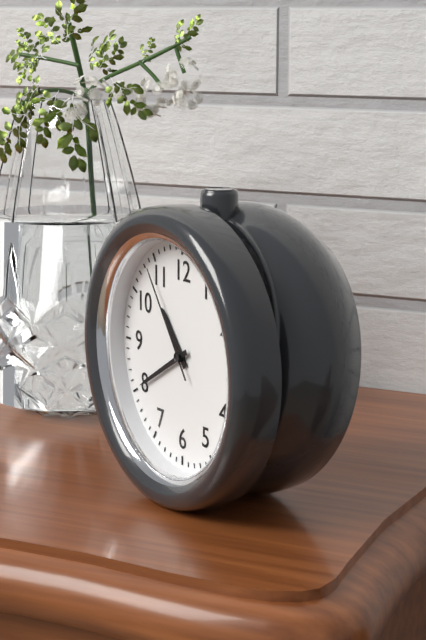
h=10 m=40 s=54
